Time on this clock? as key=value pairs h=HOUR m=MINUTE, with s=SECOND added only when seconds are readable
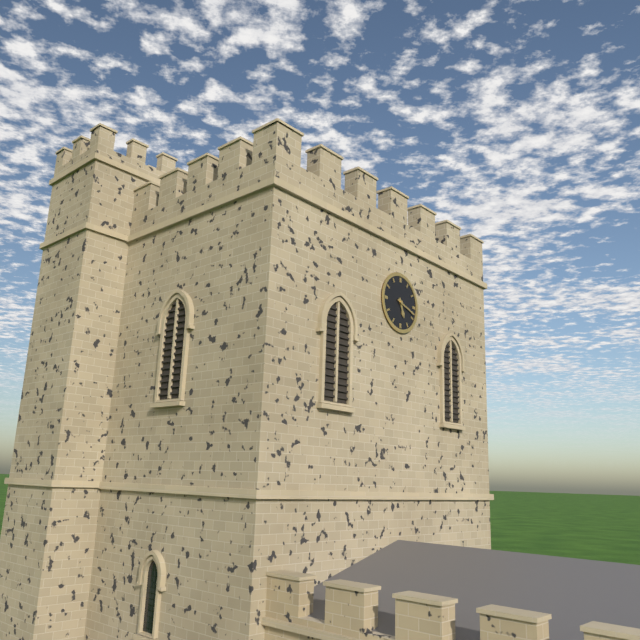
h=5 m=18
